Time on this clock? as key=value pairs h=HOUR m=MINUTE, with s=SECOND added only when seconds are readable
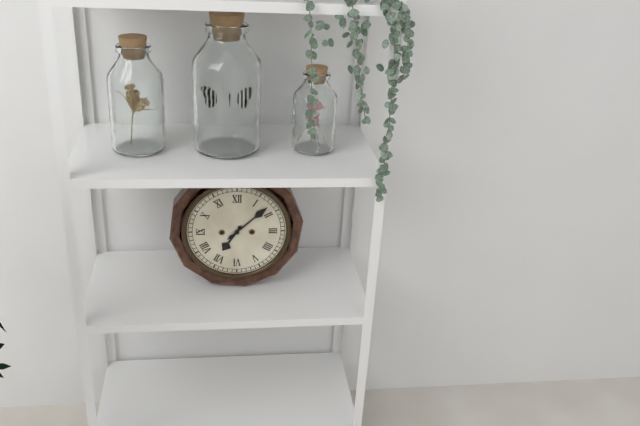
h=7 m=8
